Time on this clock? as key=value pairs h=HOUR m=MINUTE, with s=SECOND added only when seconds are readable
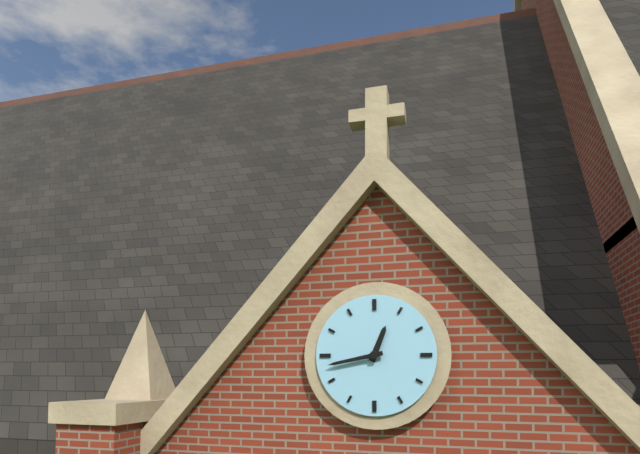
h=12 m=43
